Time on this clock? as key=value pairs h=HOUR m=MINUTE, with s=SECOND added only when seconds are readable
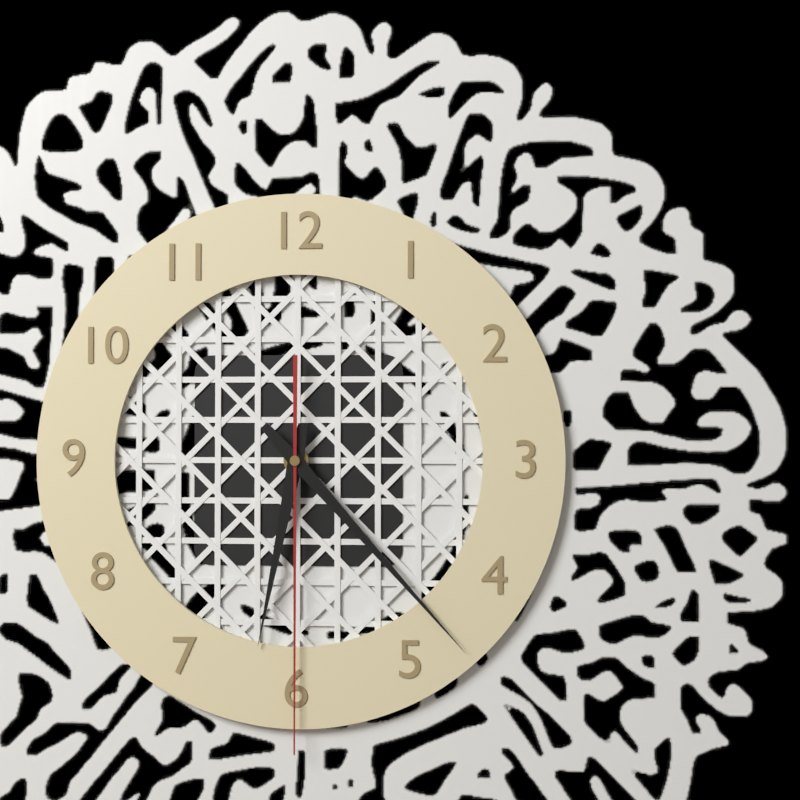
h=6 m=23 s=30
